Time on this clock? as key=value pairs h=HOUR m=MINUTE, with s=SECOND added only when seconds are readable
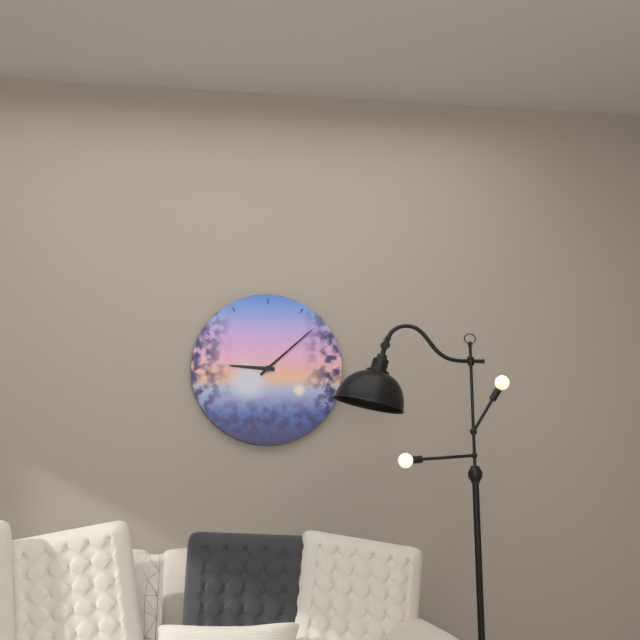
h=9 m=8
